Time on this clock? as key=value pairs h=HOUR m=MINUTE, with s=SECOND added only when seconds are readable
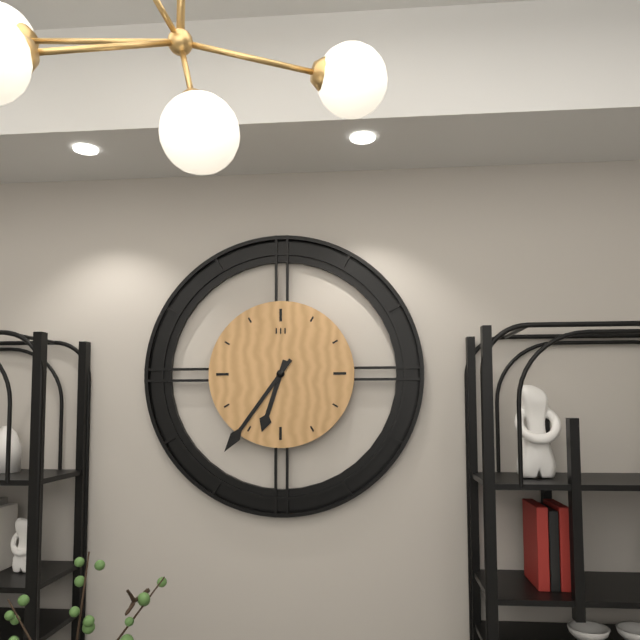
h=6 m=36
